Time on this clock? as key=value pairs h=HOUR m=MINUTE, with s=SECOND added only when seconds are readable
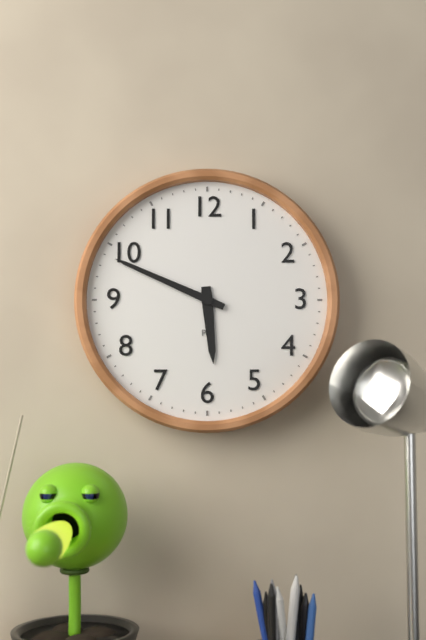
h=5 m=49
